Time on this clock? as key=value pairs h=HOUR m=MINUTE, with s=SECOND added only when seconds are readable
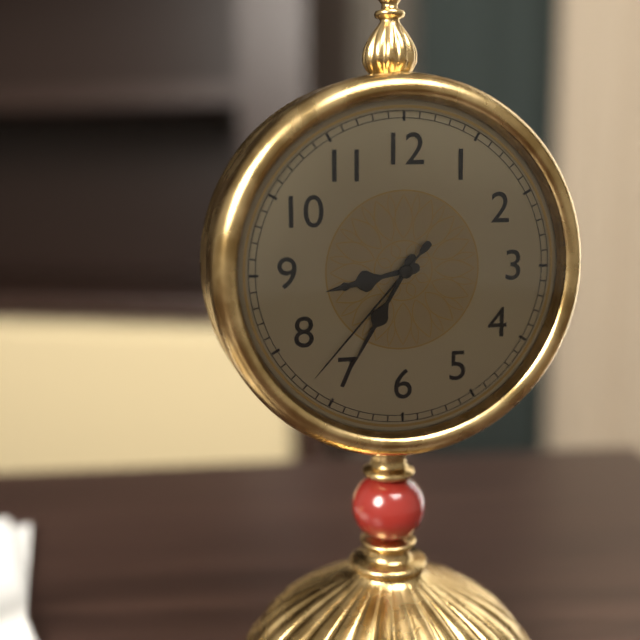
h=8 m=35 s=37
